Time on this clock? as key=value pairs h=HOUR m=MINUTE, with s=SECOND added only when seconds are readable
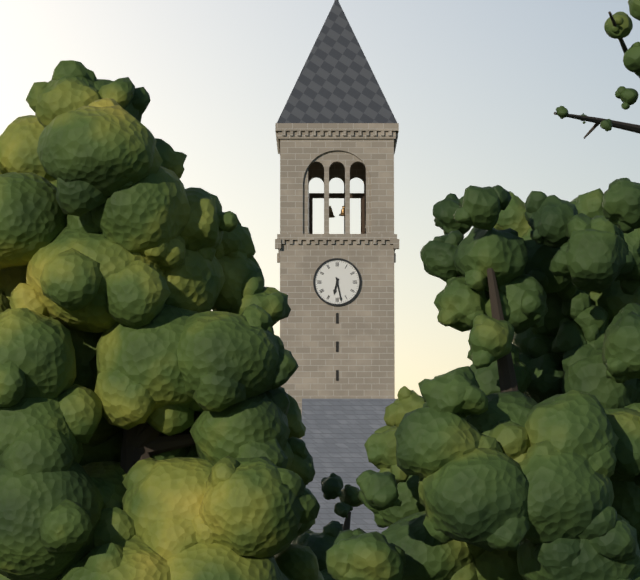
h=6 m=28
